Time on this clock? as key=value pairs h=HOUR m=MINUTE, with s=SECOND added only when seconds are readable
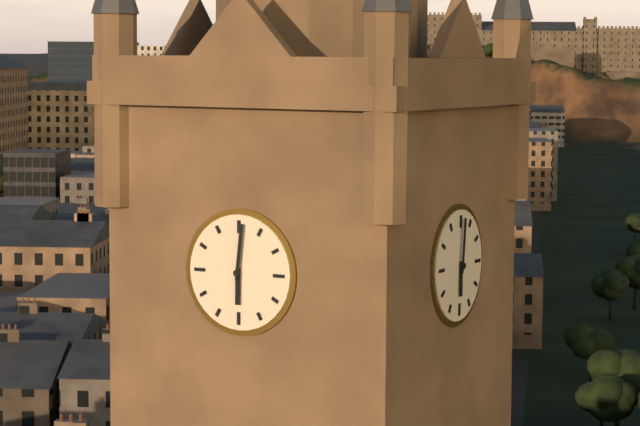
h=6 m=1
